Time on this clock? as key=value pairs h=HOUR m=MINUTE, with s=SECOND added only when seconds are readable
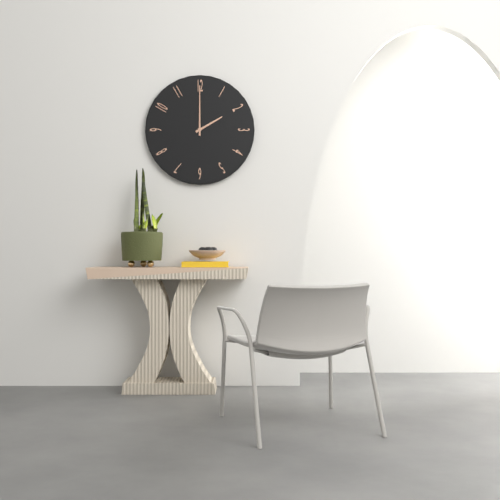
h=2 m=0
